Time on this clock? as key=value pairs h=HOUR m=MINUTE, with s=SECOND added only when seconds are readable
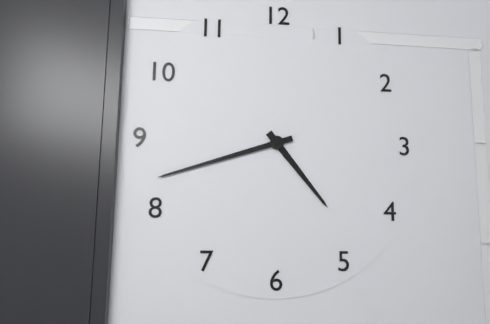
h=4 m=42
